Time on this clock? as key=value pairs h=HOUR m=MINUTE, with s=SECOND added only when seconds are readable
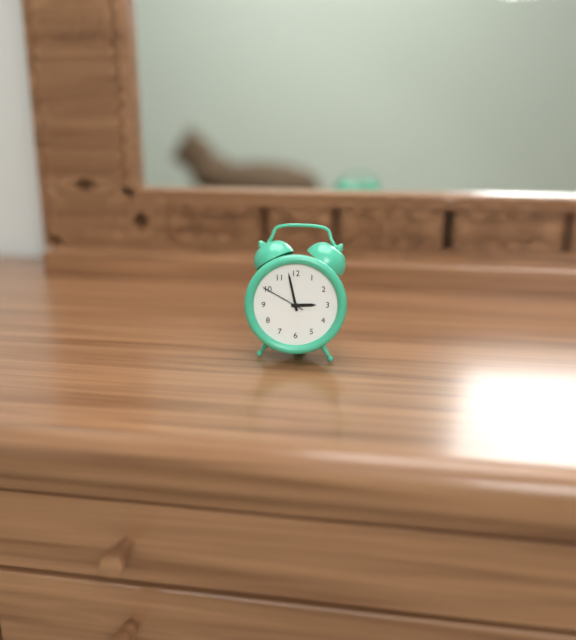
h=2 m=58
